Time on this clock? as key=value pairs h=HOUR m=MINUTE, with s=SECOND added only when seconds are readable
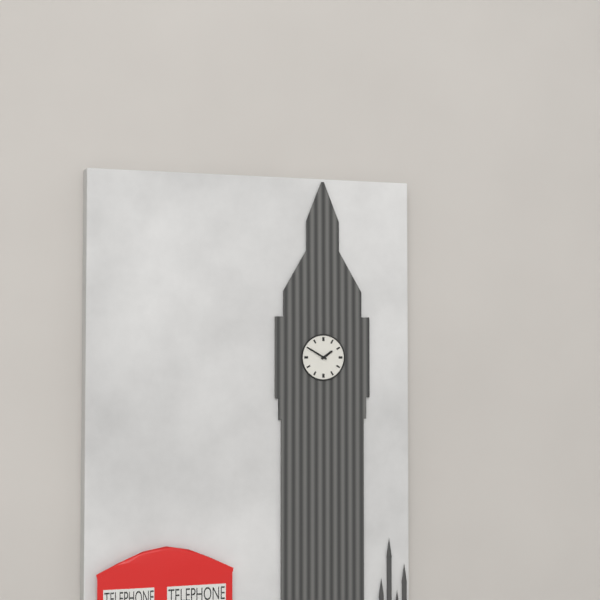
h=1 m=50
